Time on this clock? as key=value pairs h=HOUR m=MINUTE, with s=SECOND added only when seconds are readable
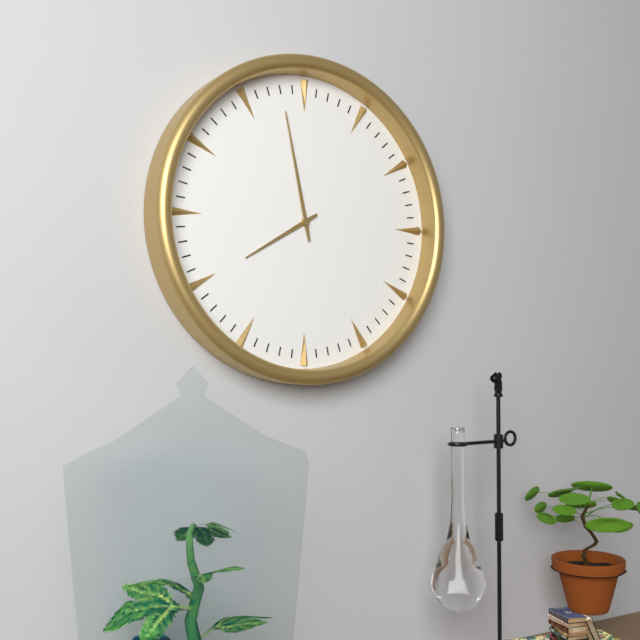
h=7 m=58
